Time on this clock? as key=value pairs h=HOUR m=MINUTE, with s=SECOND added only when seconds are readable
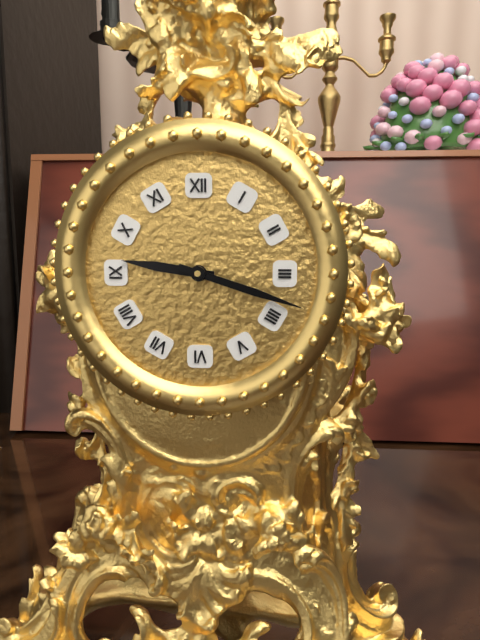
h=9 m=18
